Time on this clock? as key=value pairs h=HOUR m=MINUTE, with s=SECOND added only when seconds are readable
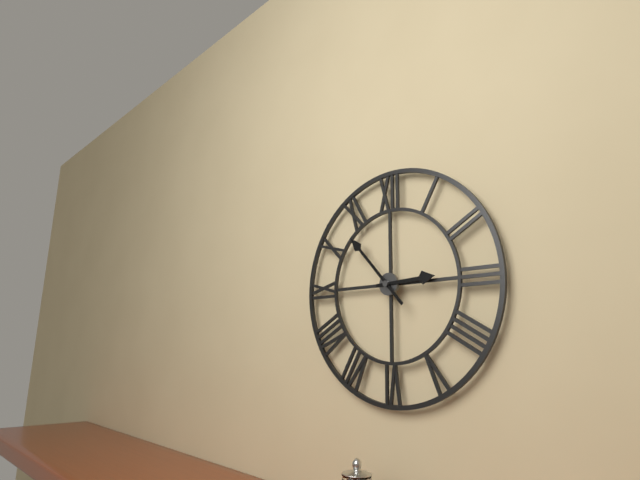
h=2 m=53
